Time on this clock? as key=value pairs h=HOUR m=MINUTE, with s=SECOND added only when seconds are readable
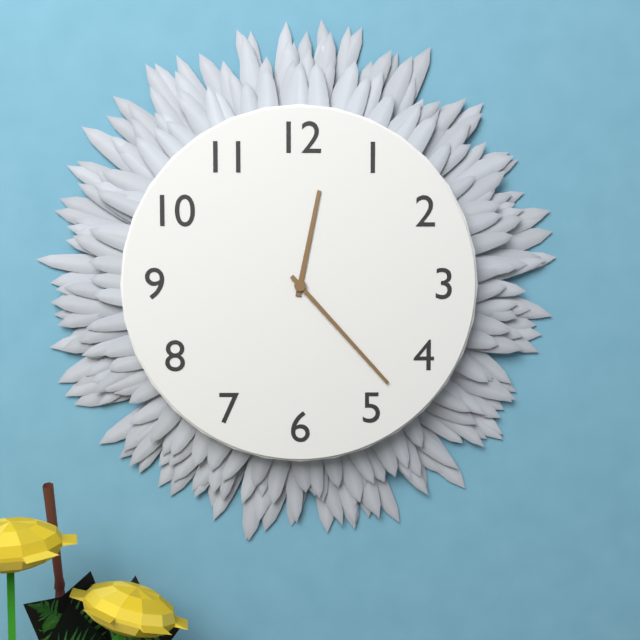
h=12 m=23
